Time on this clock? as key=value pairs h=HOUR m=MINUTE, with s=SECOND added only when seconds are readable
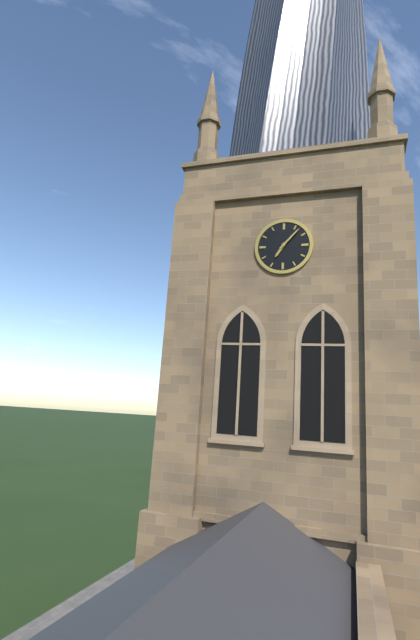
h=7 m=7
